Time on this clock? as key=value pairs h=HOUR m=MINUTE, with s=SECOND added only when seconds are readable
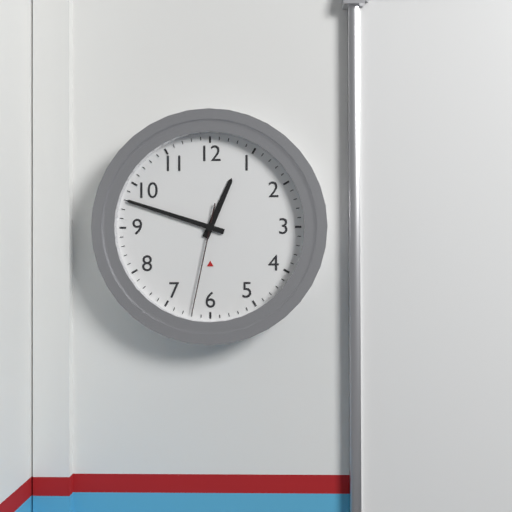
h=12 m=48 s=32
